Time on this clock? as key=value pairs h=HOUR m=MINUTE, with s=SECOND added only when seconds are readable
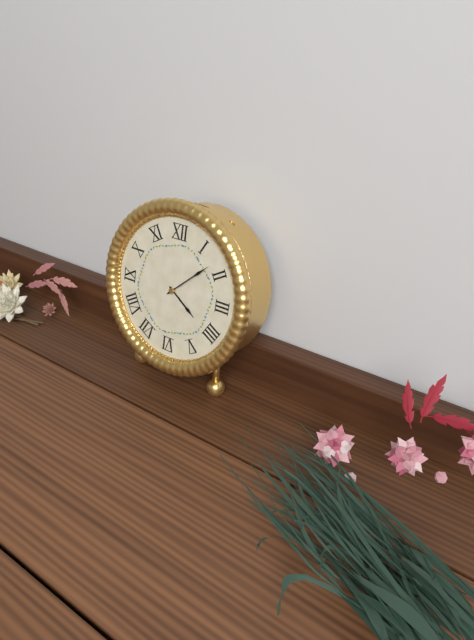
h=4 m=8
